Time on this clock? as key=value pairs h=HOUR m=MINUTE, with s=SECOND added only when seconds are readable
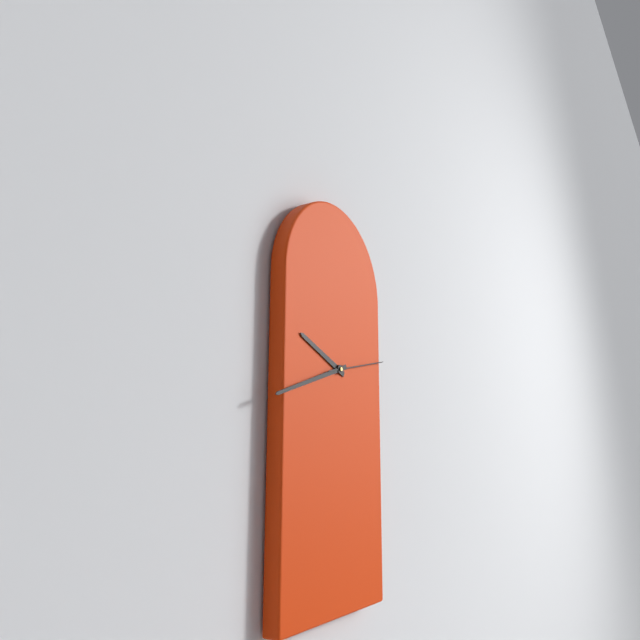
h=9 m=42 s=13
